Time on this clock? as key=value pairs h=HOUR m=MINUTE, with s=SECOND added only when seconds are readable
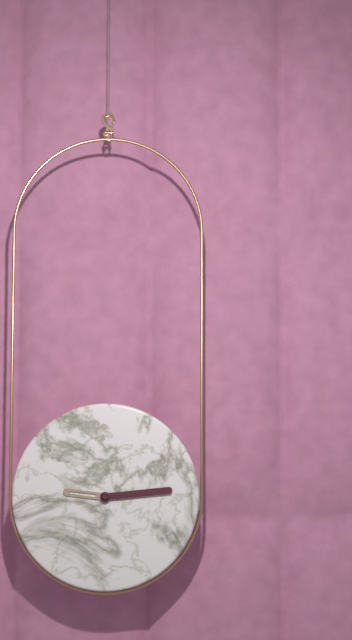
h=9 m=14
